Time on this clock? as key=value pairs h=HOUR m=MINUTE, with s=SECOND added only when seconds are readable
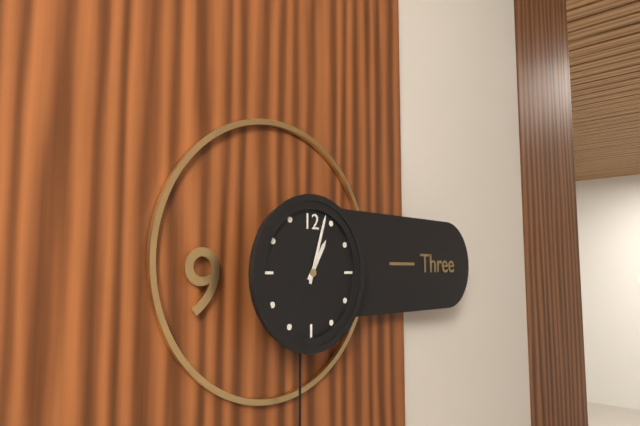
h=1 m=3
